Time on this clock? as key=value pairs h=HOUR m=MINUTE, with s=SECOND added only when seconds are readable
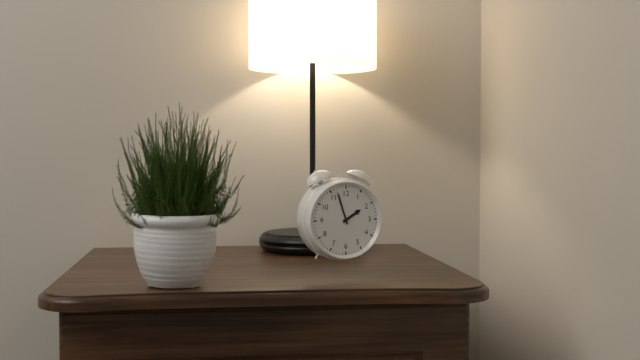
h=1 m=57
